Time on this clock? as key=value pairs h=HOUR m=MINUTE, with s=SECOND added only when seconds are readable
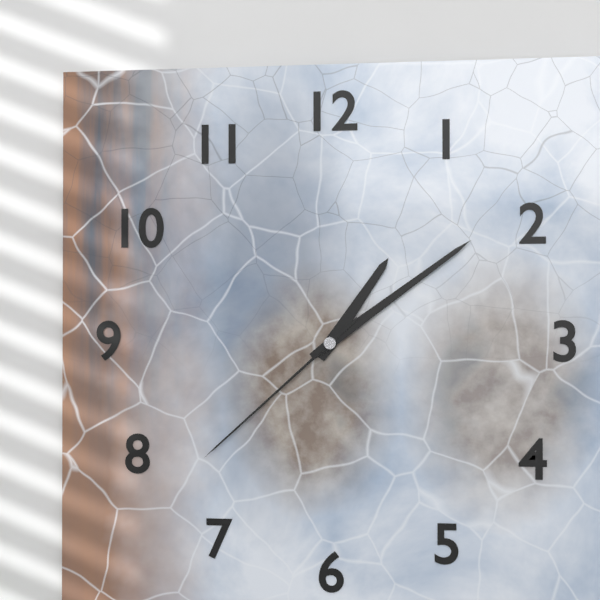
h=1 m=9 s=38
